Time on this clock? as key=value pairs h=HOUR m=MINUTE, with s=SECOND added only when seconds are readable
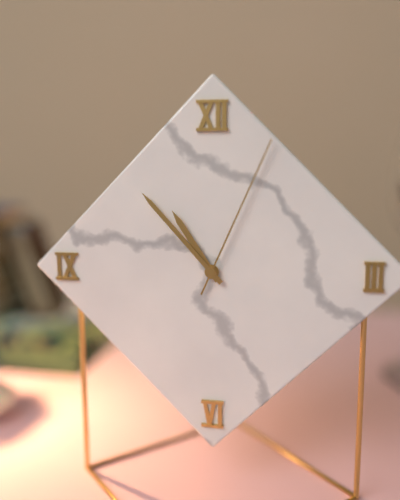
h=10 m=53 s=4
